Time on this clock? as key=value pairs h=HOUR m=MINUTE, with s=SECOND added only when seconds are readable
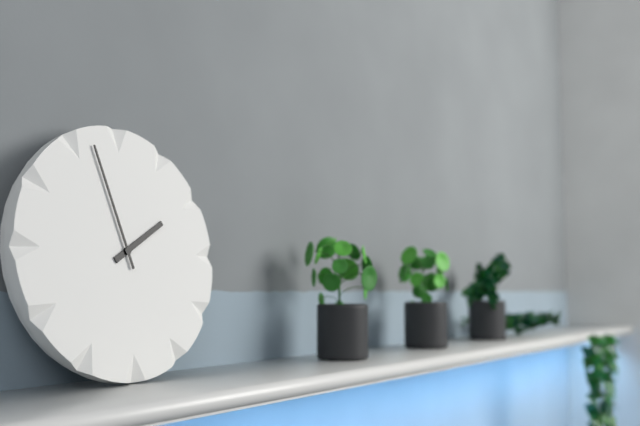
h=1 m=57
